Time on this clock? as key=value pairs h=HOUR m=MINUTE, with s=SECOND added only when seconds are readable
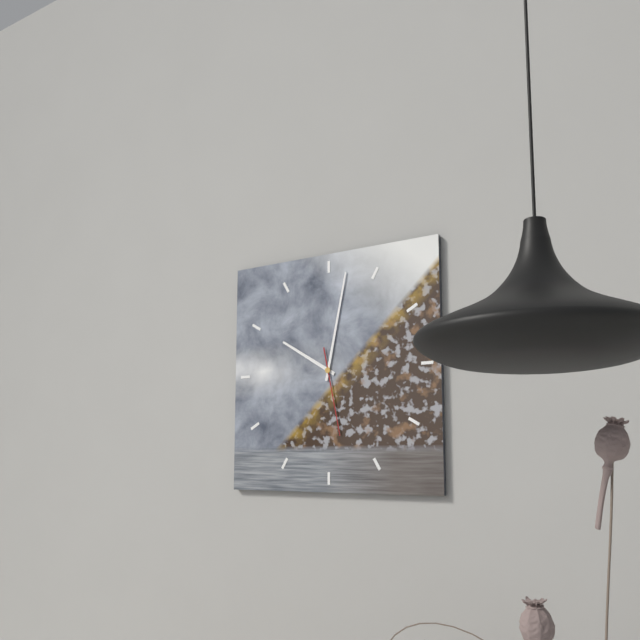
h=10 m=2 s=28
